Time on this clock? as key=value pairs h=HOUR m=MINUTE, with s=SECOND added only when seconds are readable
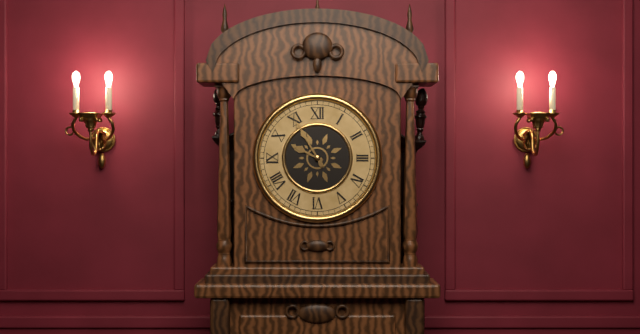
h=9 m=55
